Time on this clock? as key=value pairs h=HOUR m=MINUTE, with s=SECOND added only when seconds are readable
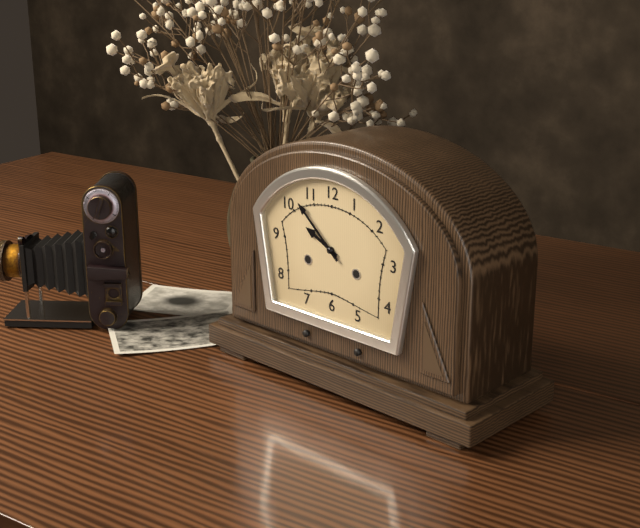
h=9 m=52
